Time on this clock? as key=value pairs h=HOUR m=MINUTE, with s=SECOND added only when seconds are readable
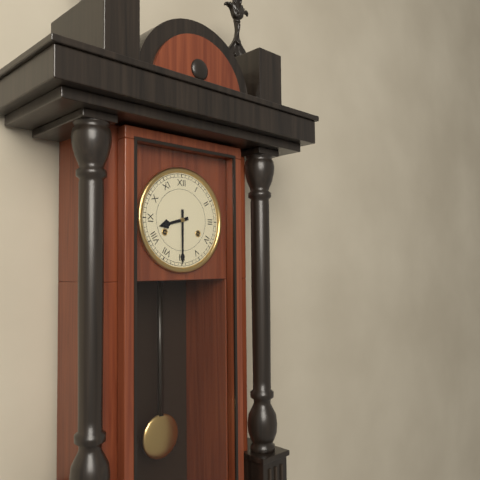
h=8 m=30
